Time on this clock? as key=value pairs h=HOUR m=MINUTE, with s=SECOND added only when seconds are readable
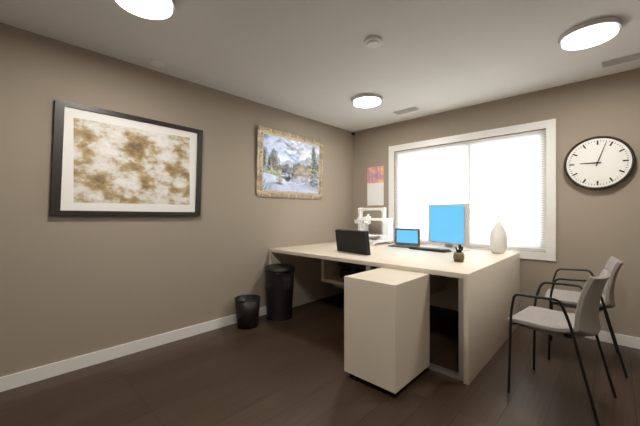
h=9 m=3
